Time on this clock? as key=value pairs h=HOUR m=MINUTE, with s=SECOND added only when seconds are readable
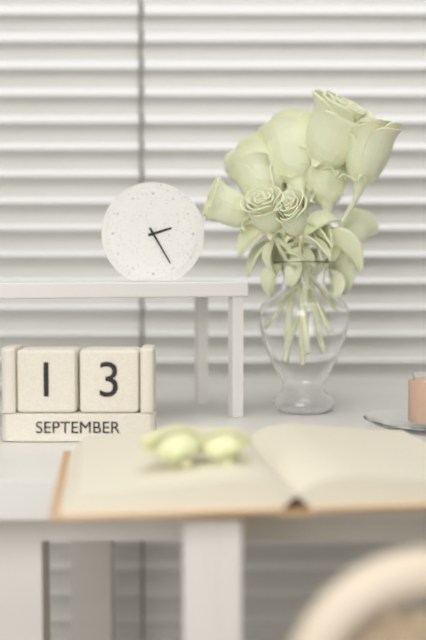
h=2 m=25
